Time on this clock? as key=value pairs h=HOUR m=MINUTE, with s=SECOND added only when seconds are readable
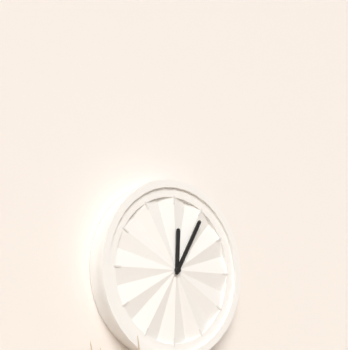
h=12 m=5
